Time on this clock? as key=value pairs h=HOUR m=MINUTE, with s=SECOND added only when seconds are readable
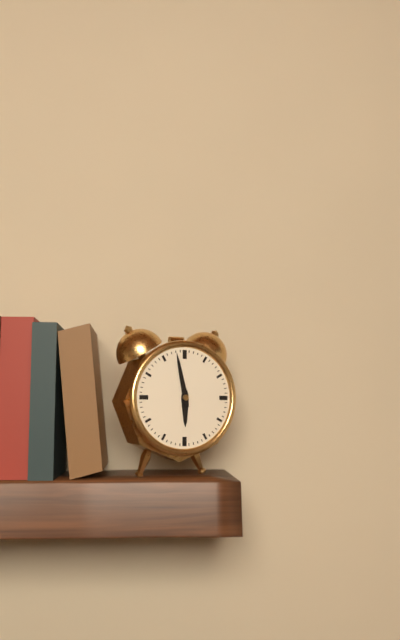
h=5 m=58
